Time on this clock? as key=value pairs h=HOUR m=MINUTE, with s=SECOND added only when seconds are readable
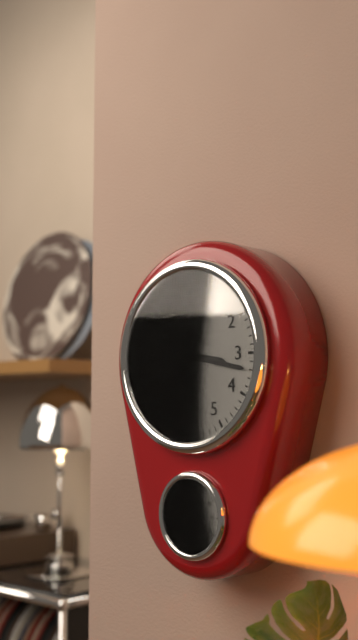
h=3 m=17 s=30
